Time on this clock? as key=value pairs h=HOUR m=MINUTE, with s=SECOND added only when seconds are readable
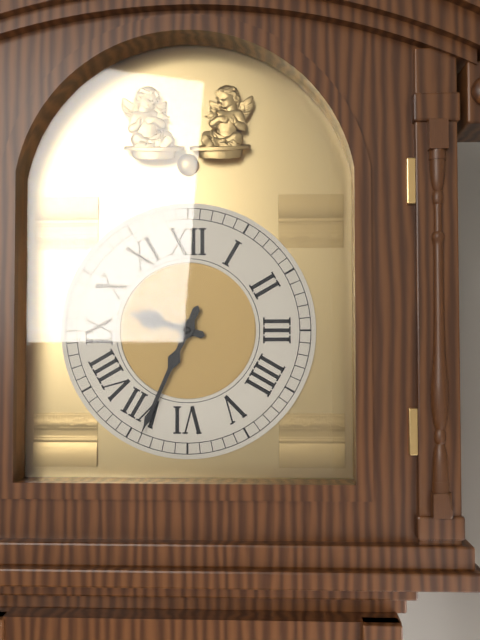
h=9 m=34
